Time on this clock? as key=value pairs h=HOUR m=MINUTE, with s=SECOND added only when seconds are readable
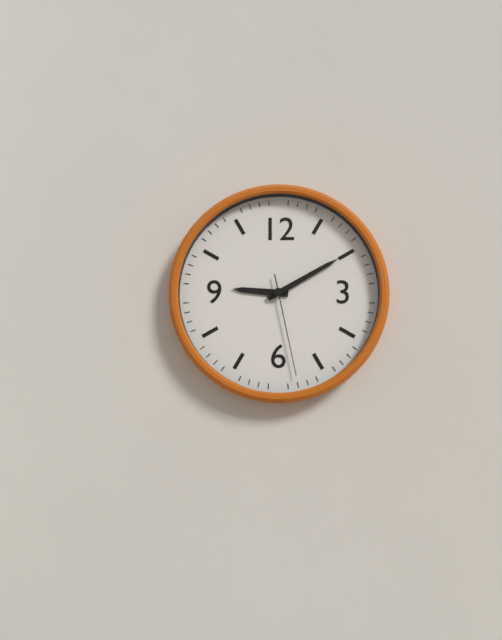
h=9 m=10 s=28
